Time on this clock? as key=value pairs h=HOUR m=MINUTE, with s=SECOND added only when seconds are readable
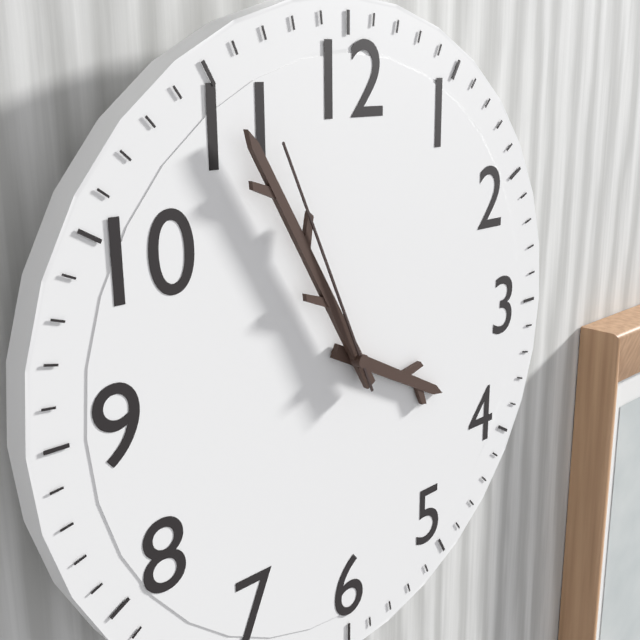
h=3 m=55 s=56
